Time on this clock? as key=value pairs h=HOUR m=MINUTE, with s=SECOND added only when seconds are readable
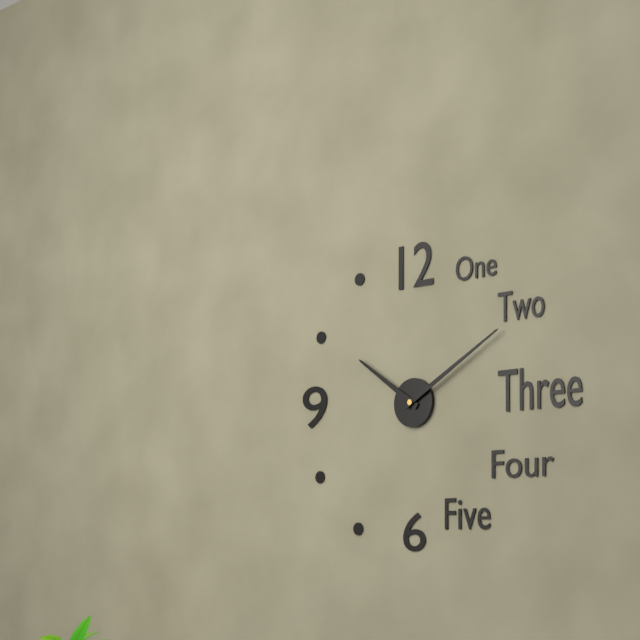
h=10 m=10
